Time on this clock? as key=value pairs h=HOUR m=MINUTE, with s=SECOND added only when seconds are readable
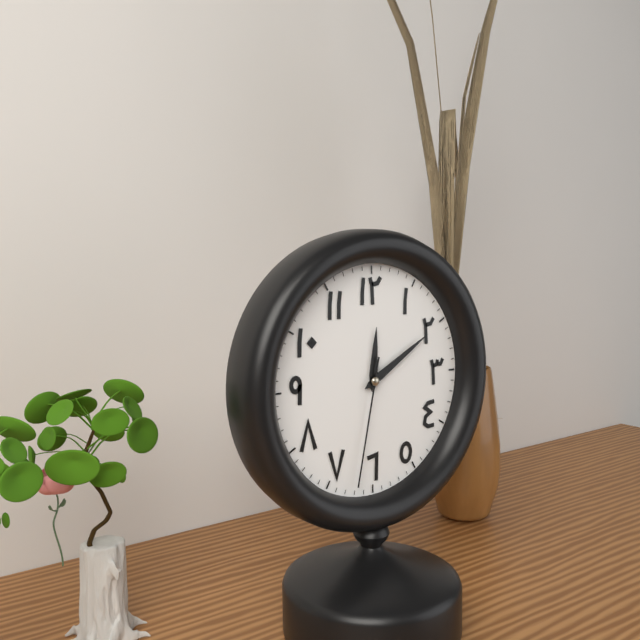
h=12 m=10 s=32
